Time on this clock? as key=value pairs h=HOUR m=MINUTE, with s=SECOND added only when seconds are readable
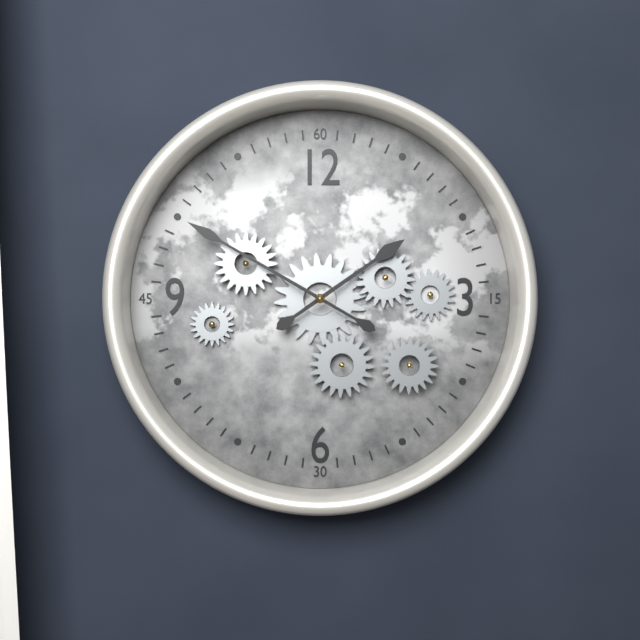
h=1 m=50
